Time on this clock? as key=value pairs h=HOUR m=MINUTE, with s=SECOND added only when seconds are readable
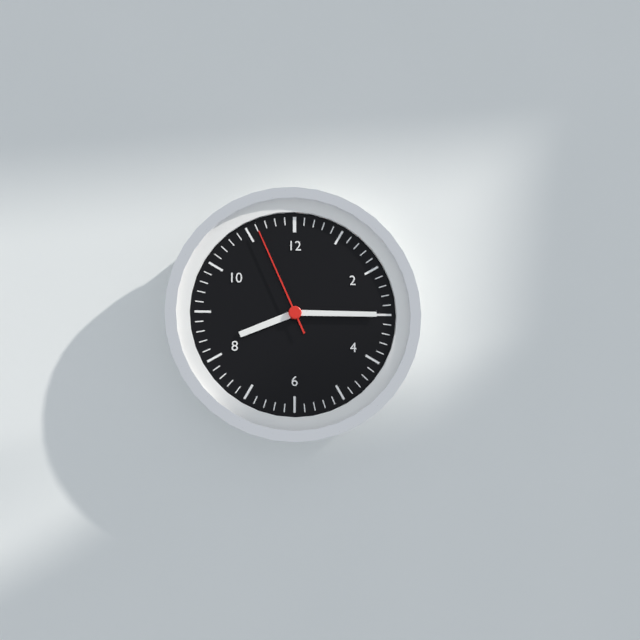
h=8 m=15 s=56
